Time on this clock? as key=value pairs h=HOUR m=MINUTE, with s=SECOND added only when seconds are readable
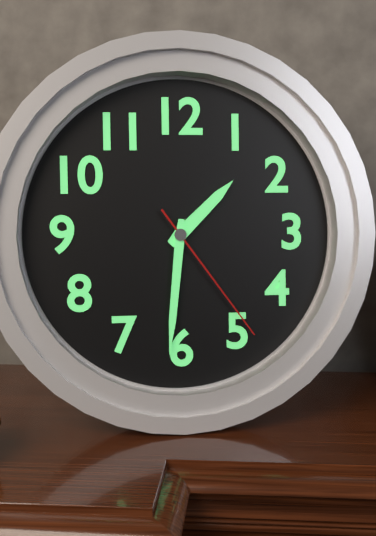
h=1 m=31 s=24
